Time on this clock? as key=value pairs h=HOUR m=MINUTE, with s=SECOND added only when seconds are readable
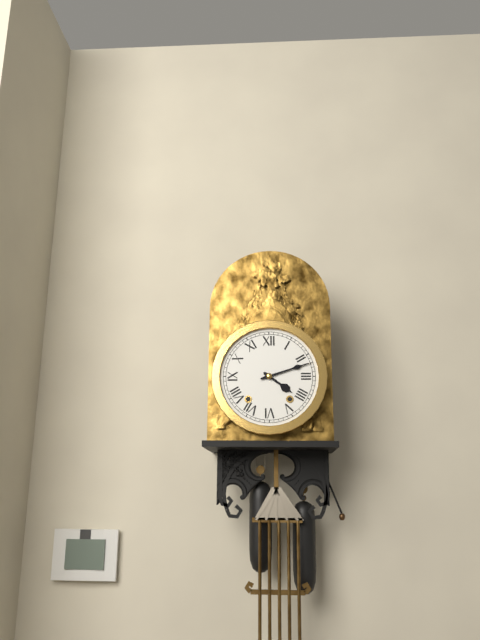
h=4 m=12
